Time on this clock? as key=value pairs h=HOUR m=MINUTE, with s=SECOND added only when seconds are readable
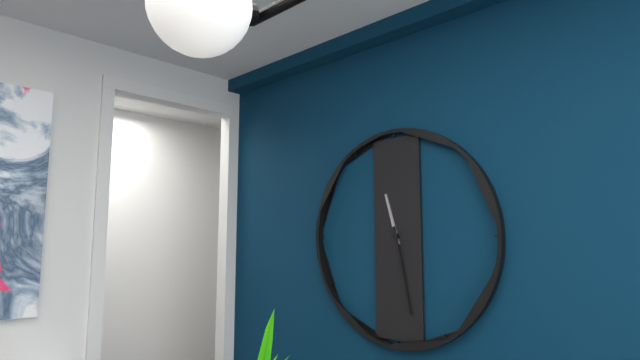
h=11 m=28
